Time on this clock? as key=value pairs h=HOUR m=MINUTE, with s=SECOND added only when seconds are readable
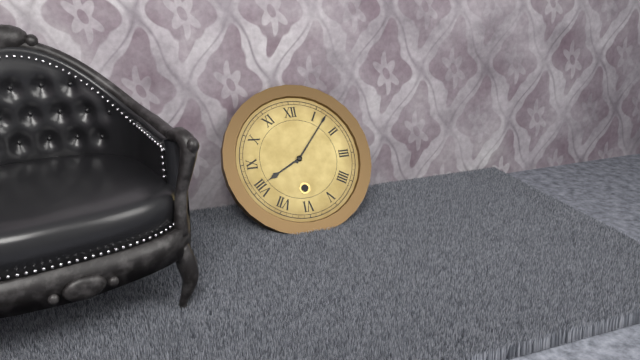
h=8 m=7
